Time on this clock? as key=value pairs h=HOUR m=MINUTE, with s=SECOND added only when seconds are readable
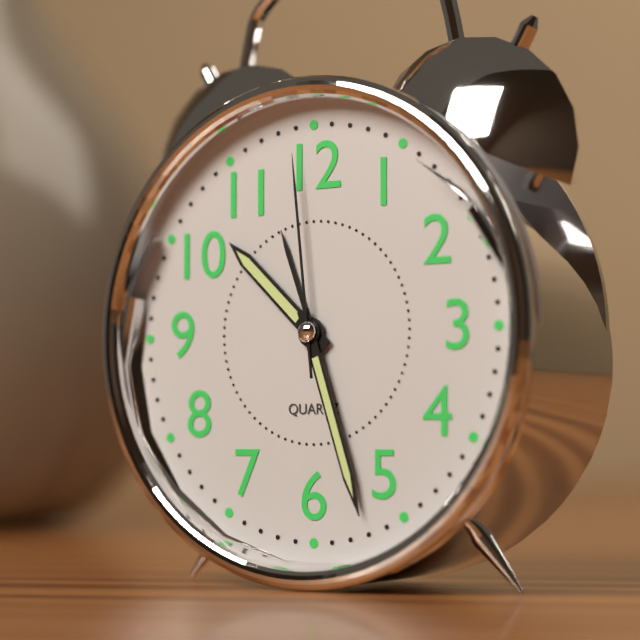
h=10 m=27 s=59
